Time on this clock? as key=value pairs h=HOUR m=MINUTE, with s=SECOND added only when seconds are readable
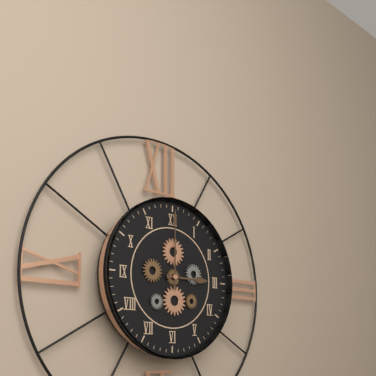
h=3 m=0
